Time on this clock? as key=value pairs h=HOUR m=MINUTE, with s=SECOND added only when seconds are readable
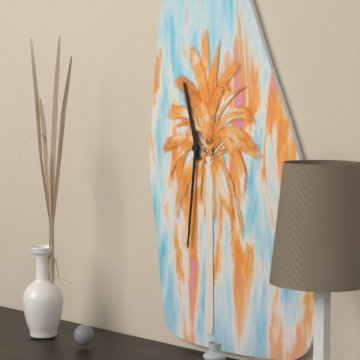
h=11 m=31
